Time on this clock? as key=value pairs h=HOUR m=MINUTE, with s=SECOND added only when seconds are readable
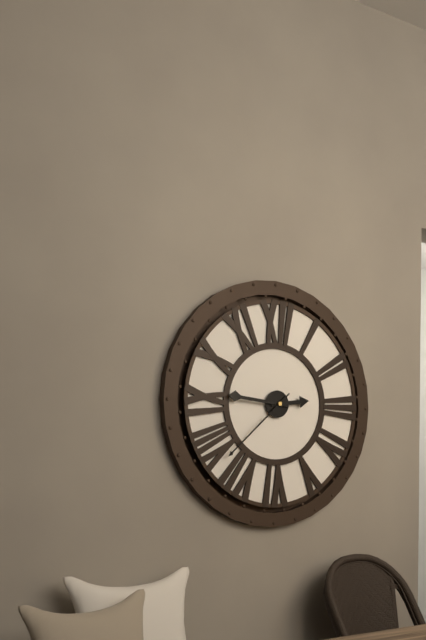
h=2 m=46 s=38
